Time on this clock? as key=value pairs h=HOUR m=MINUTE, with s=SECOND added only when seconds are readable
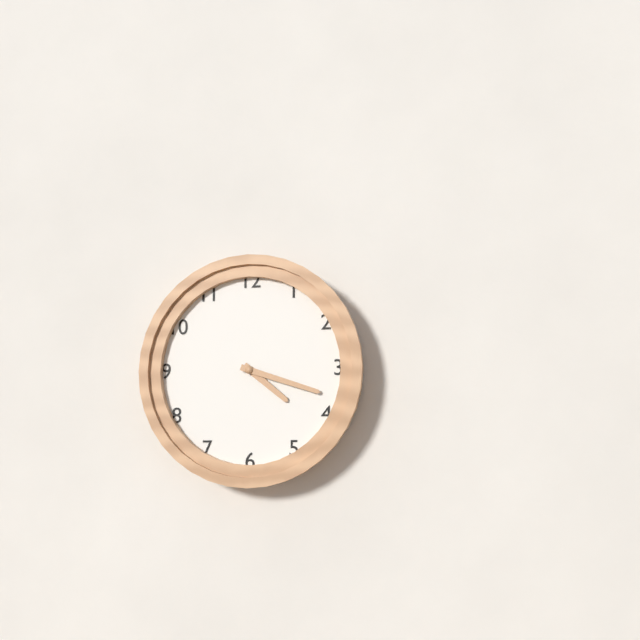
h=4 m=18
